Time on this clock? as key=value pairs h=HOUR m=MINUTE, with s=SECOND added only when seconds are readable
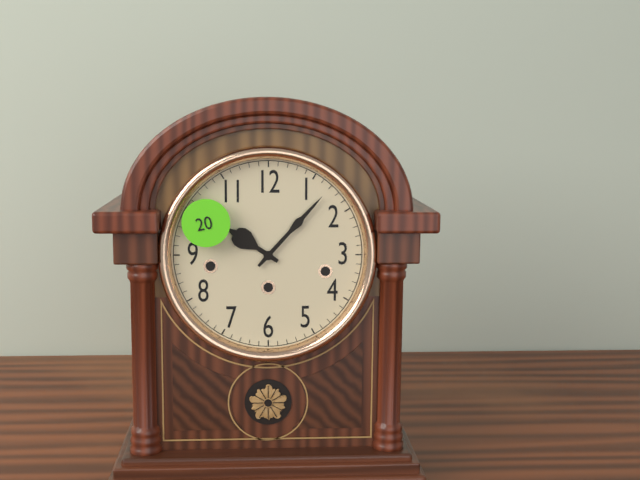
h=10 m=7
